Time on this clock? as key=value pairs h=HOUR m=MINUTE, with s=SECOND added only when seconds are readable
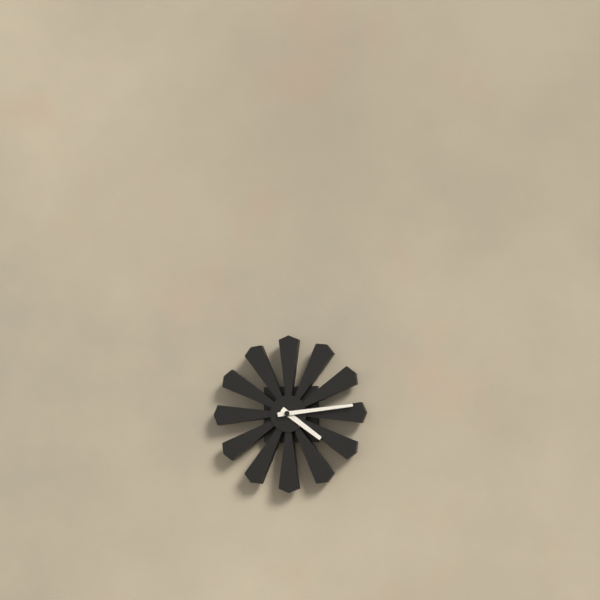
h=4 m=14
